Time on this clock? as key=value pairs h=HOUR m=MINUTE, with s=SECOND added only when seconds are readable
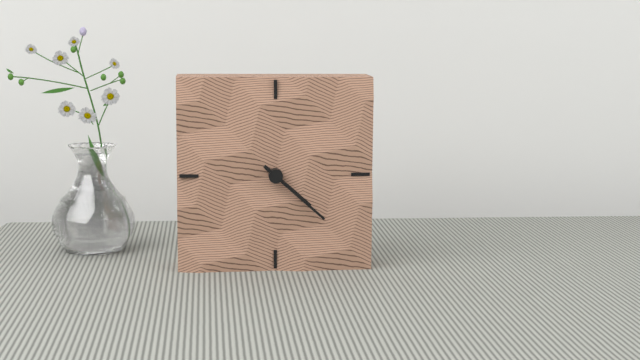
h=4 m=22
